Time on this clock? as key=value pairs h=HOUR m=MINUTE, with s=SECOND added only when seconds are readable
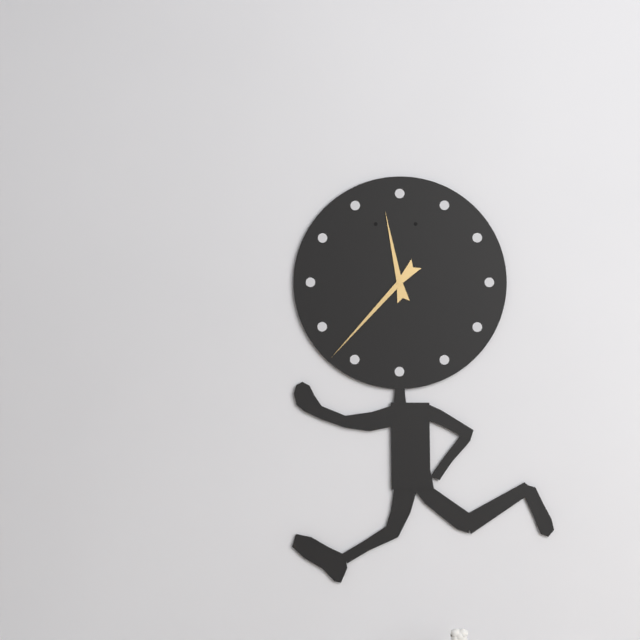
h=11 m=37
